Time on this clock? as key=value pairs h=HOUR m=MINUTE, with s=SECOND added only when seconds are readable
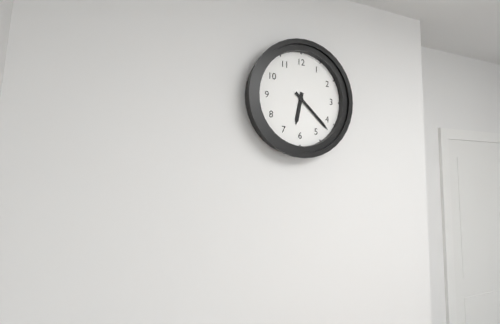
h=6 m=22
